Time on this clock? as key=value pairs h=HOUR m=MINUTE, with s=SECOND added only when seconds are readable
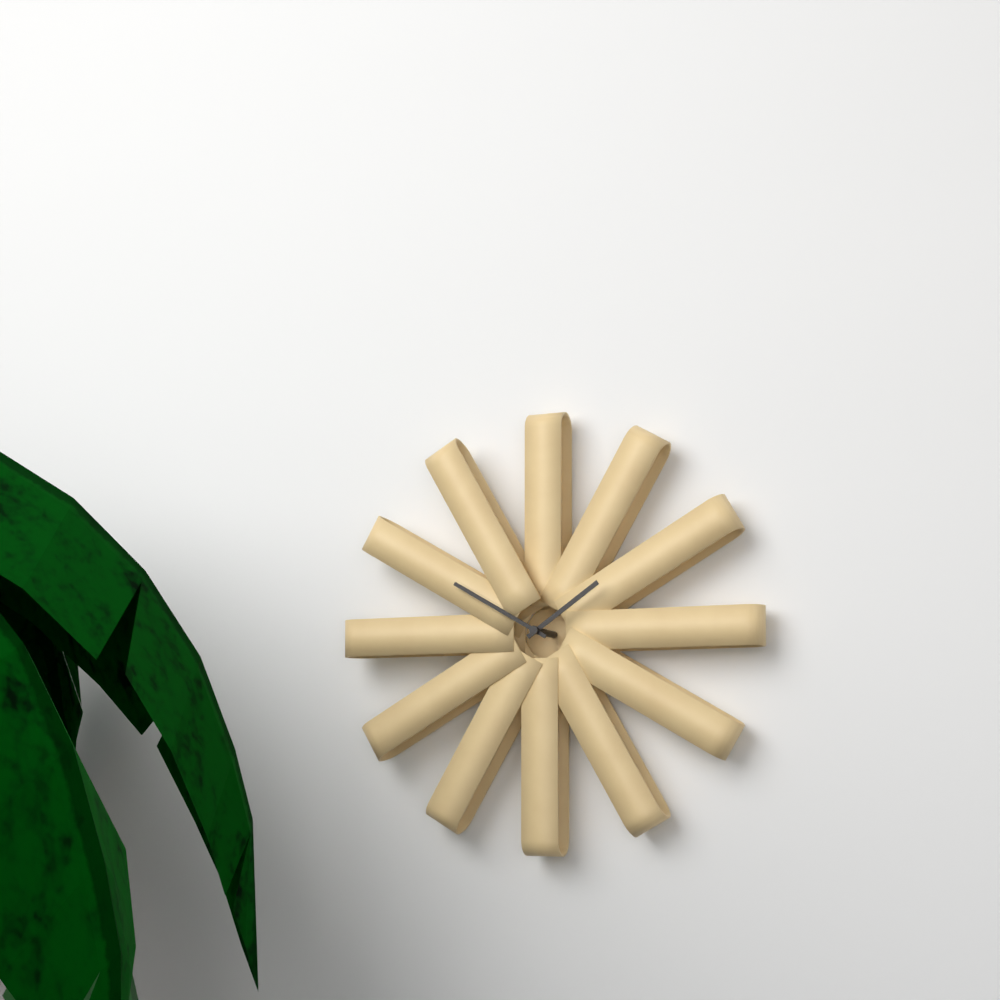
h=1 m=50
